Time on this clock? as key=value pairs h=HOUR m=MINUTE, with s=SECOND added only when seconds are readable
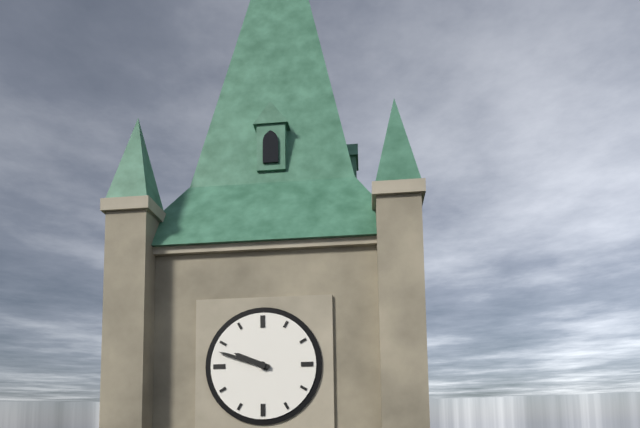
h=9 m=48
